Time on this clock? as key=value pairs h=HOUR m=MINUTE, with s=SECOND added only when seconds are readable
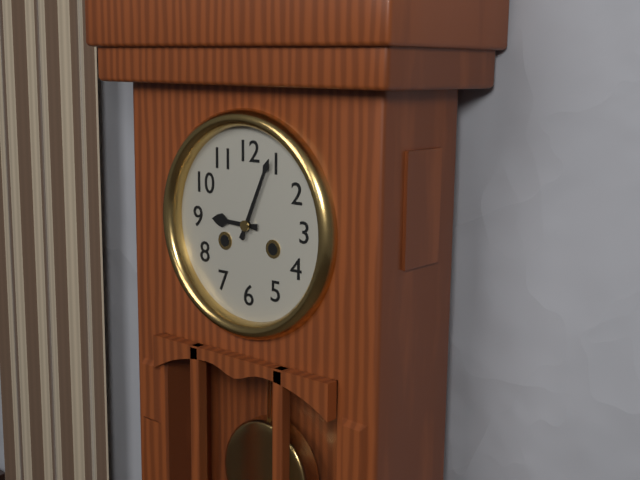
h=9 m=4
